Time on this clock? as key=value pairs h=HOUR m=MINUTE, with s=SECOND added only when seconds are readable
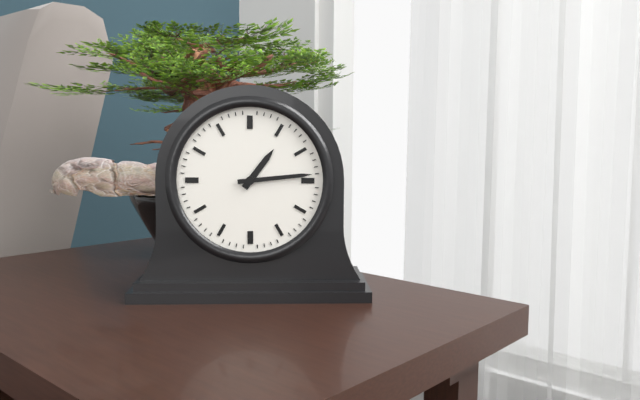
h=1 m=14
